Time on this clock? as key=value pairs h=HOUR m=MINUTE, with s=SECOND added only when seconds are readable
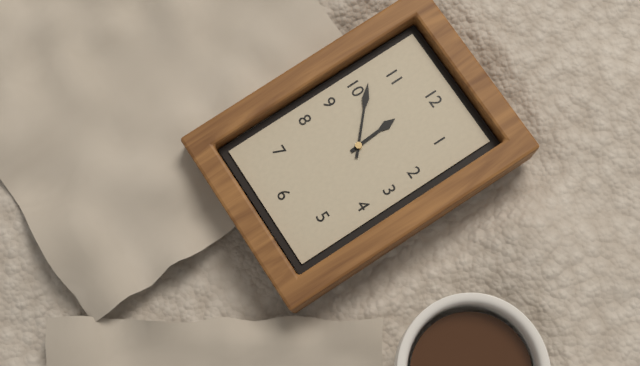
h=11 m=52
